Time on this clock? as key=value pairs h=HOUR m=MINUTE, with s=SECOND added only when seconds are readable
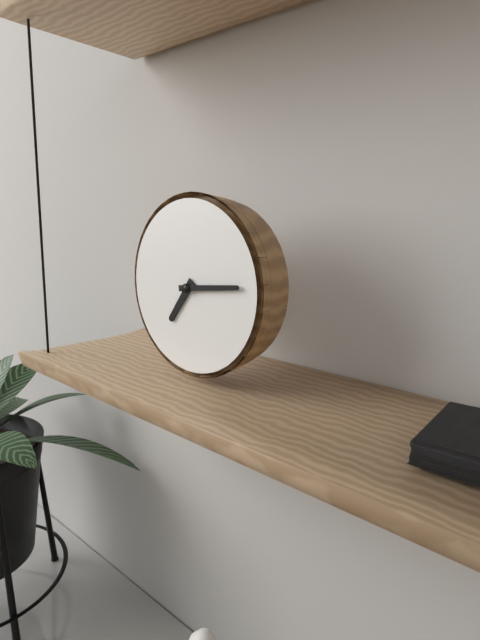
h=7 m=14
